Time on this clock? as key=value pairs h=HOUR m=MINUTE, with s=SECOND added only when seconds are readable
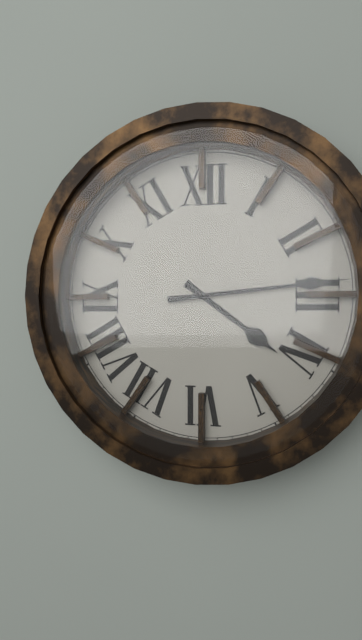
h=4 m=14
